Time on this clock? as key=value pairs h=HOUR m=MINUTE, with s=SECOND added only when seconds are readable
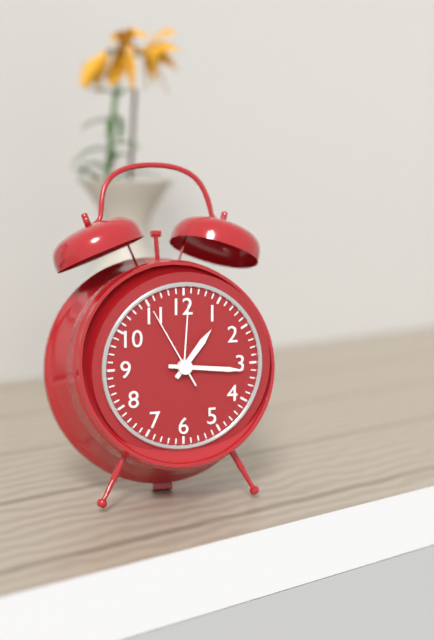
h=1 m=16 s=55
